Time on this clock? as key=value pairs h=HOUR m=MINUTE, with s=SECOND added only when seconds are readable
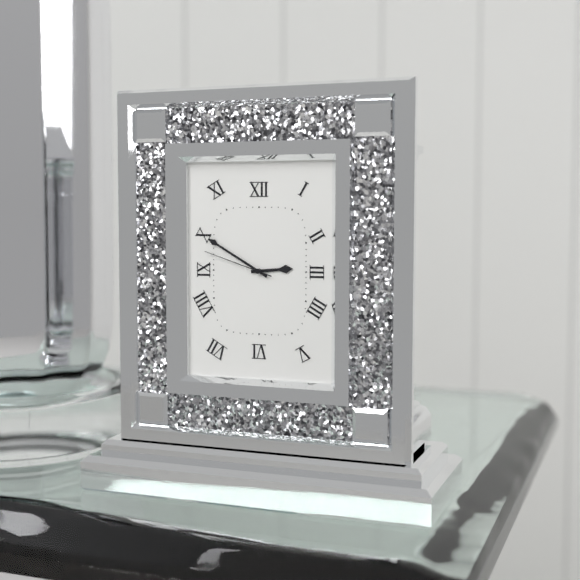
h=2 m=50 s=48
